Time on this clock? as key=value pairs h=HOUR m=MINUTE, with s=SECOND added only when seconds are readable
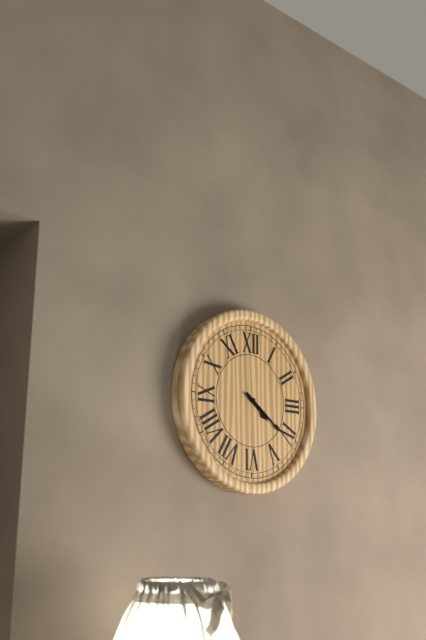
h=4 m=21
